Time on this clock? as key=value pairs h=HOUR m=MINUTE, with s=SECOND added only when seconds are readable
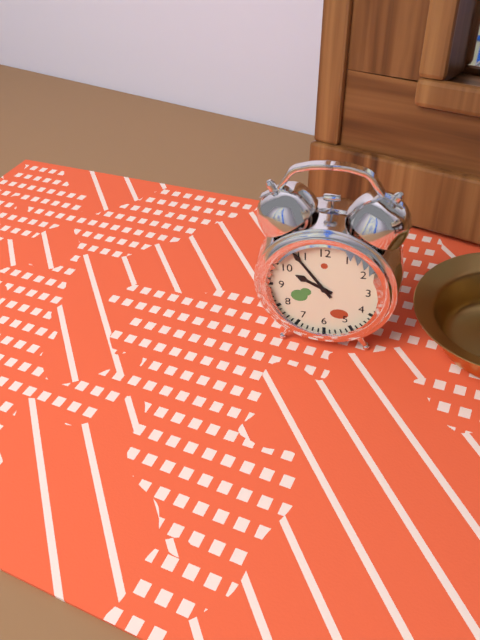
h=9 m=54
